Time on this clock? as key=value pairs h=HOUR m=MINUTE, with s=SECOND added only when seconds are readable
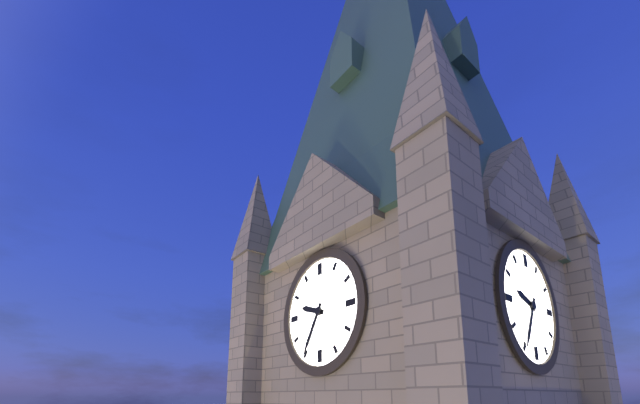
h=9 m=35
